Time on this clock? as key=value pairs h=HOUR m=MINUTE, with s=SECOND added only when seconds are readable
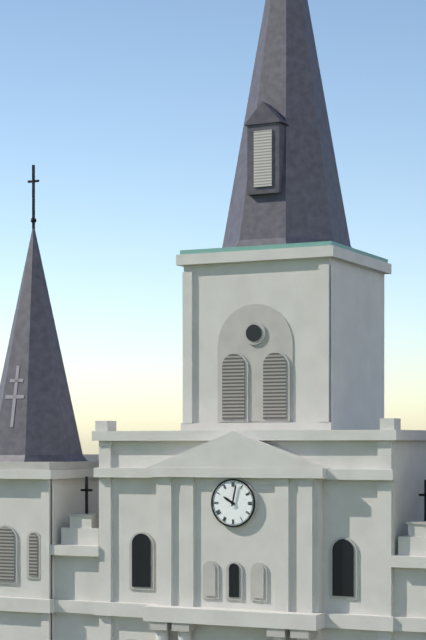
h=10 m=2
